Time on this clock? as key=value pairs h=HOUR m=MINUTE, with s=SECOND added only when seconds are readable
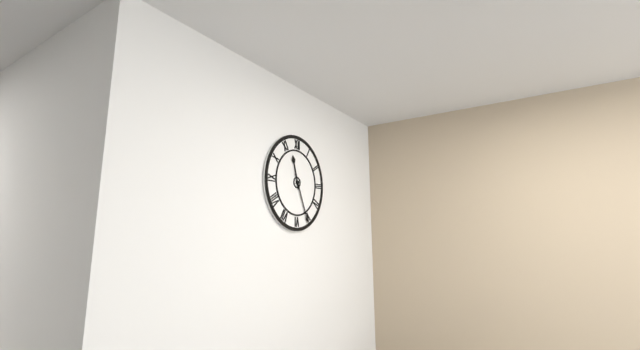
h=11 m=26
